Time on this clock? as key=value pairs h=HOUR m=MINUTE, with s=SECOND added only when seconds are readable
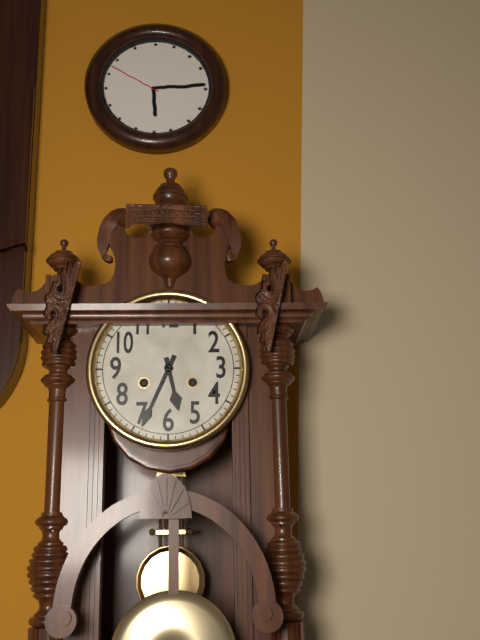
h=5 m=34
